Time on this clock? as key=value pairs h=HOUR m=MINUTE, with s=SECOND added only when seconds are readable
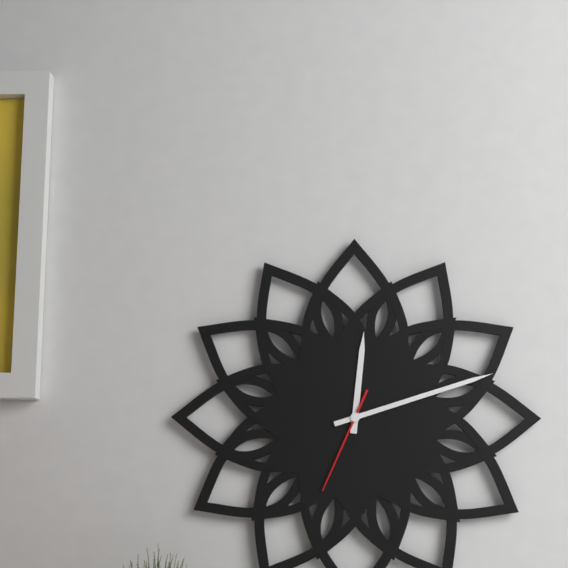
h=12 m=12 s=34
